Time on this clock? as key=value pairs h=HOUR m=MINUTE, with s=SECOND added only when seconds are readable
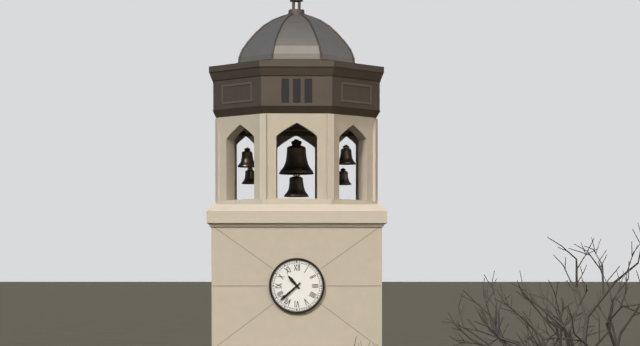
h=10 m=38
